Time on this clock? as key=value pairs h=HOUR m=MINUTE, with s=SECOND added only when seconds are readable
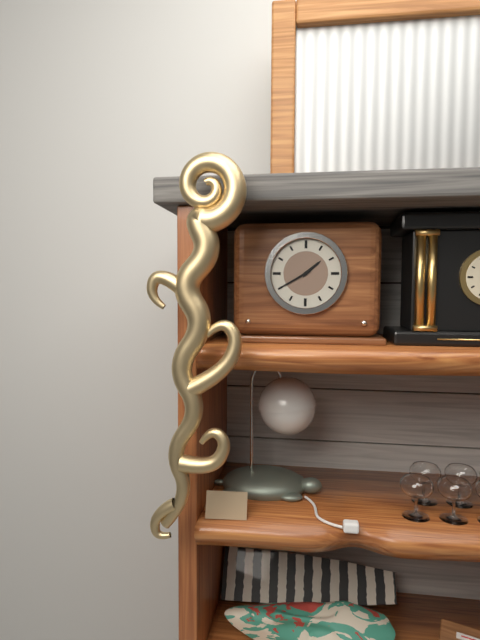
h=1 m=40
